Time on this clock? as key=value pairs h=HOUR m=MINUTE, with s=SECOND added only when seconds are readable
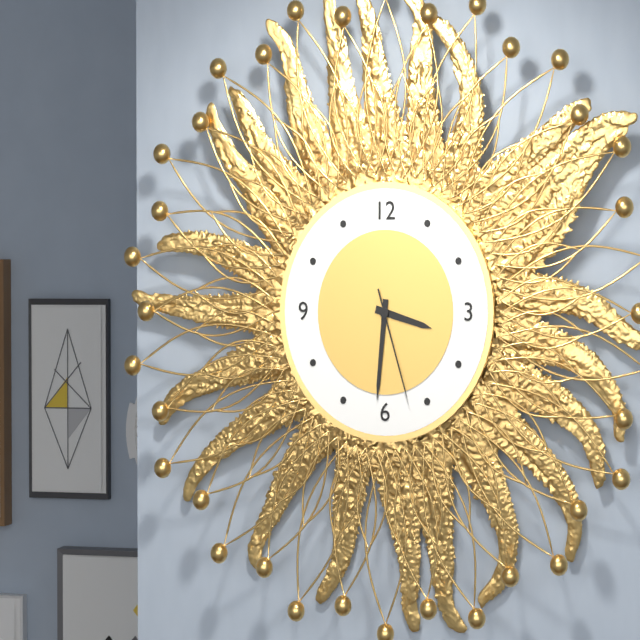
h=3 m=31 s=27
